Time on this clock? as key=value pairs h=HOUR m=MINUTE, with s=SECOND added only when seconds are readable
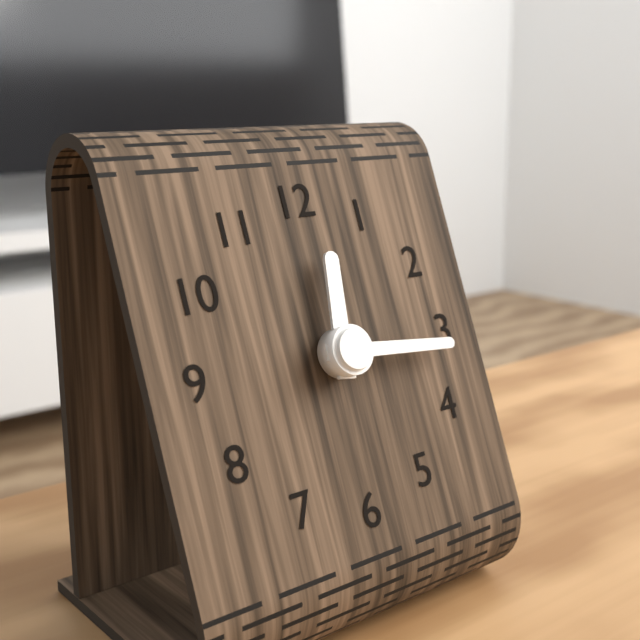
h=12 m=16
